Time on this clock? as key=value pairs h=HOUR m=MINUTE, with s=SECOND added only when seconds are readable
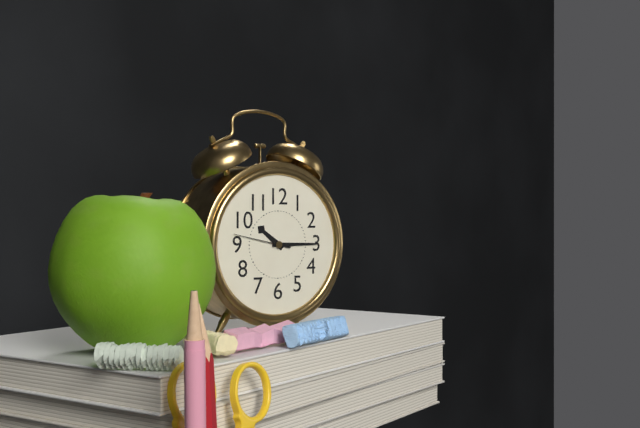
h=10 m=15 s=47
